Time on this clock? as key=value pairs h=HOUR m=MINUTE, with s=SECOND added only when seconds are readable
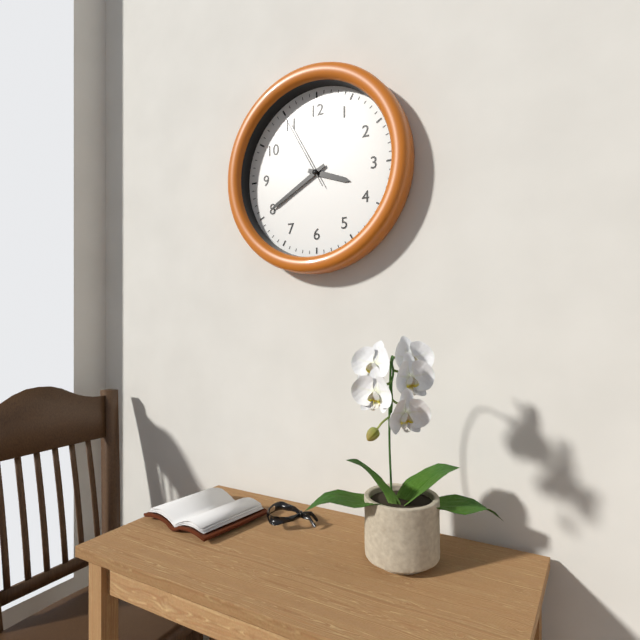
h=3 m=40 s=55
